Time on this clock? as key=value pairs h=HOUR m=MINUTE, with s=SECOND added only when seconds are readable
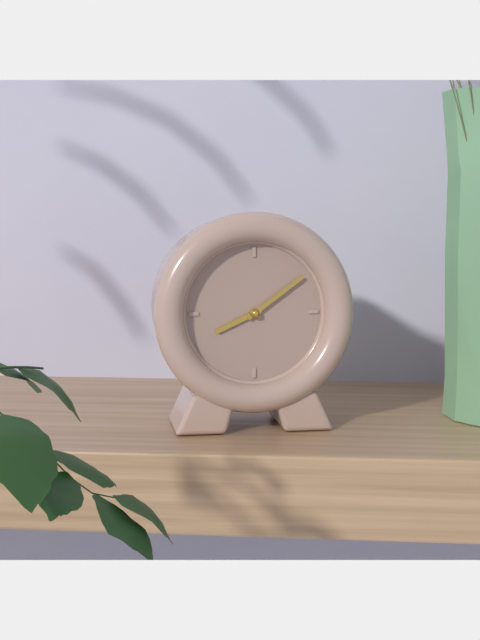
h=8 m=9
